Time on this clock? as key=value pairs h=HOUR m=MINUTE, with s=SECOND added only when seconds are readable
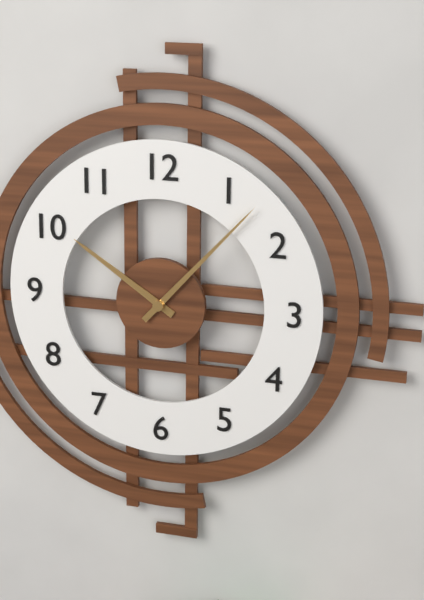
h=10 m=7
